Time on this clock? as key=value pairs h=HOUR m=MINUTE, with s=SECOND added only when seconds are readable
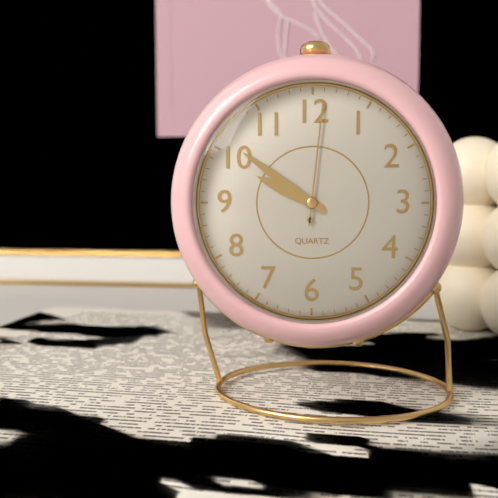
h=9 m=51 s=1
